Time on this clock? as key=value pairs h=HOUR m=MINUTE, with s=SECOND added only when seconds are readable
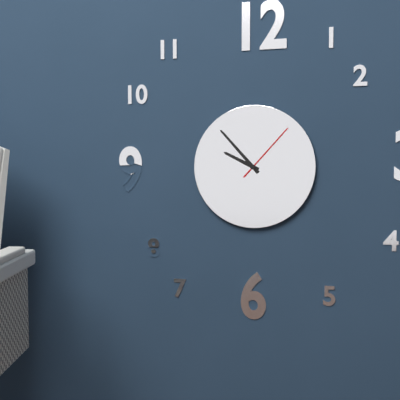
h=9 m=53 s=7
